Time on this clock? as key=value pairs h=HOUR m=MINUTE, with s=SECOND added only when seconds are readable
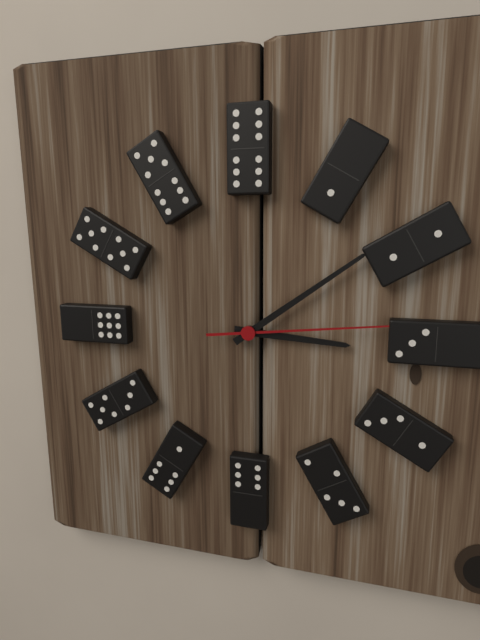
h=3 m=9 s=14
